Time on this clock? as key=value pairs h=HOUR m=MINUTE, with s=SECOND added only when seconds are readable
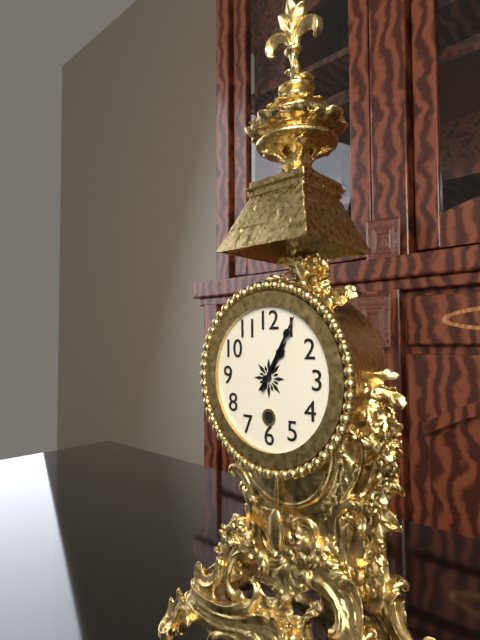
h=1 m=5
